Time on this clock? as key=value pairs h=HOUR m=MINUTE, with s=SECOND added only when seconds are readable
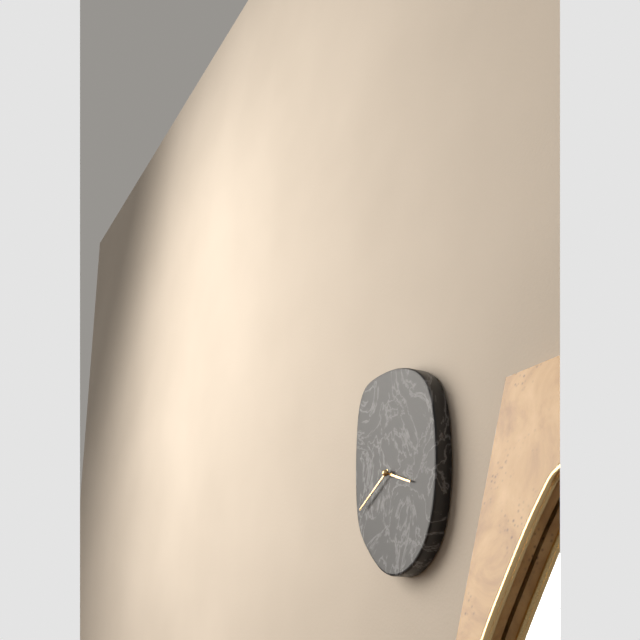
h=3 m=40
